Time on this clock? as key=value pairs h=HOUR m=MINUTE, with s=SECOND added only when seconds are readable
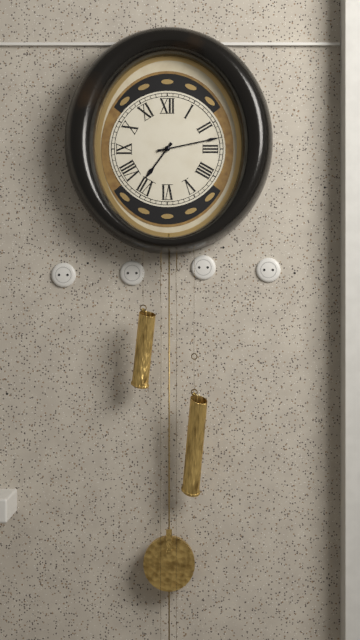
h=7 m=13
